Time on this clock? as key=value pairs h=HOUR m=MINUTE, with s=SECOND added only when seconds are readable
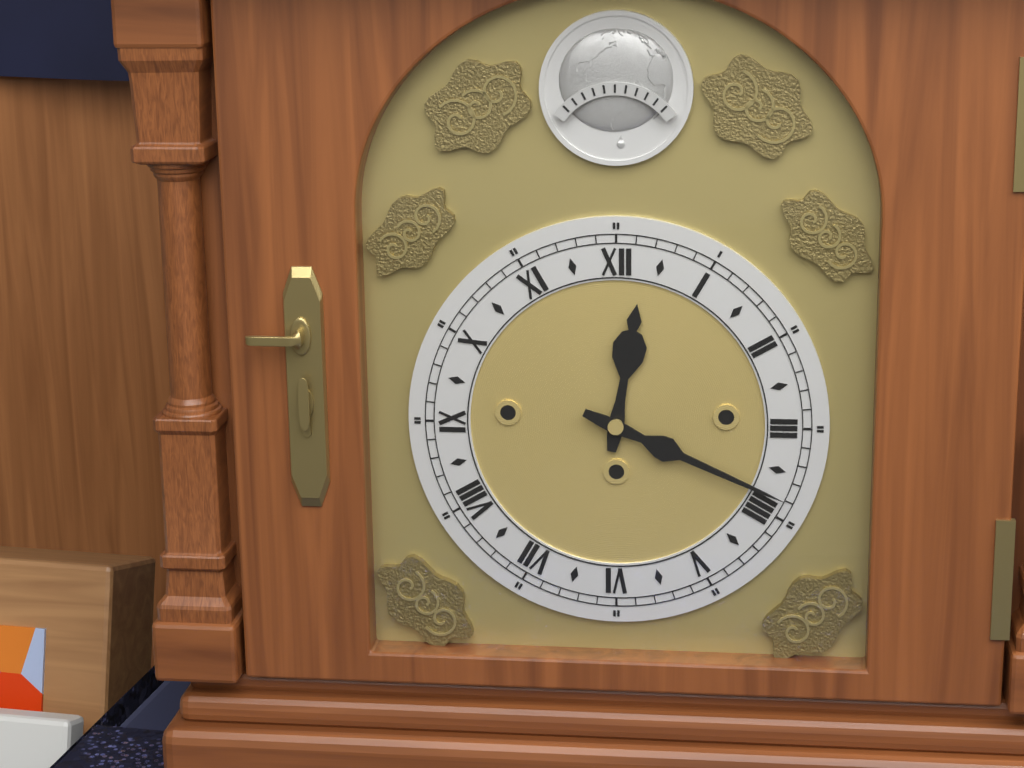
h=12 m=19
